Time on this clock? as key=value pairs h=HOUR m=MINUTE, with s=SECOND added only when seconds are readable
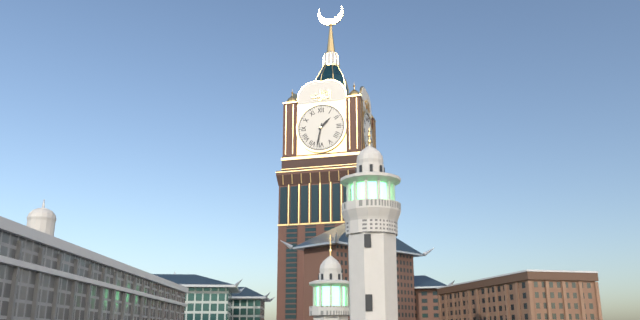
h=1 m=32
